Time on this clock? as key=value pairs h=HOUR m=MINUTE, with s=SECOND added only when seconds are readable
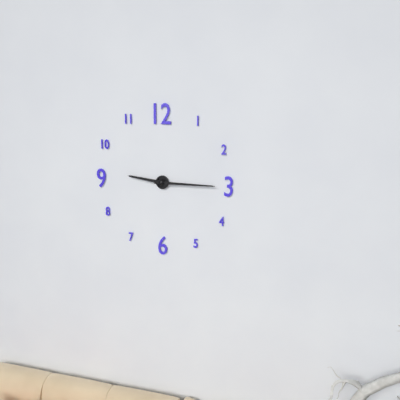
h=9 m=15
